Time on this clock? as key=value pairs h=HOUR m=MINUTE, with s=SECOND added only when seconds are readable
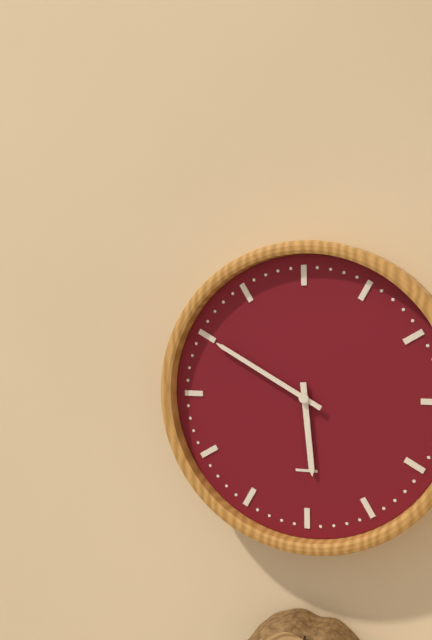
h=5 m=50
